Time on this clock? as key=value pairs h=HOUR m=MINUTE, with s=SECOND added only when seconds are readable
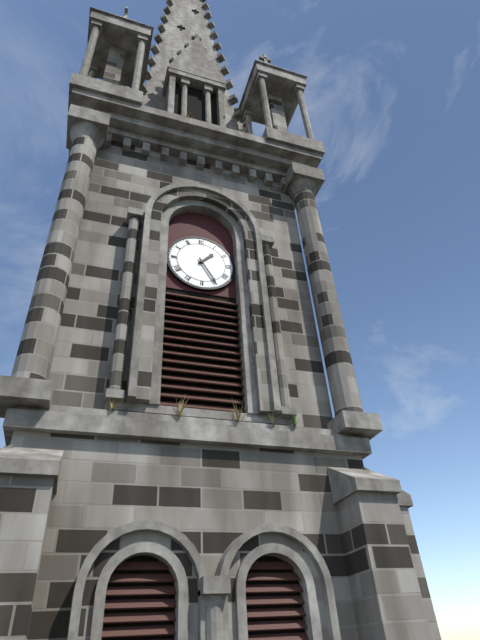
h=1 m=25
